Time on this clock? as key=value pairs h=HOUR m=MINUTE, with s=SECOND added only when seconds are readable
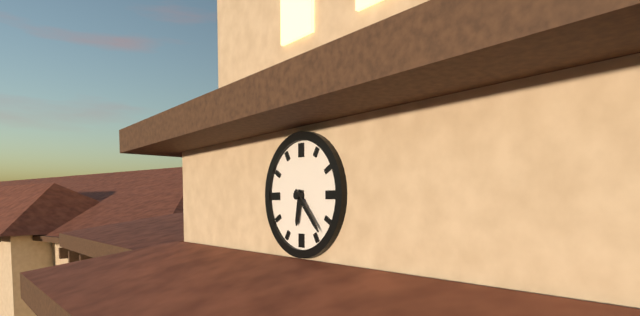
h=6 m=23
